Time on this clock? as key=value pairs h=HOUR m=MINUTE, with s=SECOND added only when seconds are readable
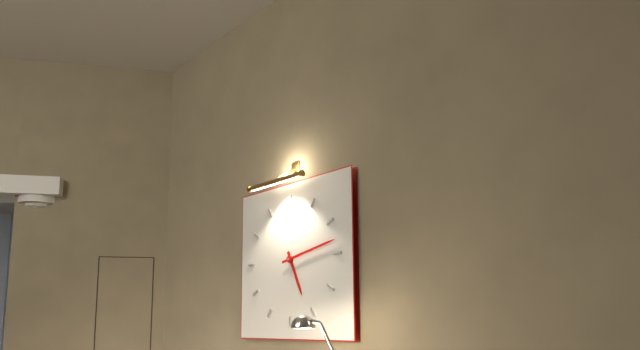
h=5 m=13
